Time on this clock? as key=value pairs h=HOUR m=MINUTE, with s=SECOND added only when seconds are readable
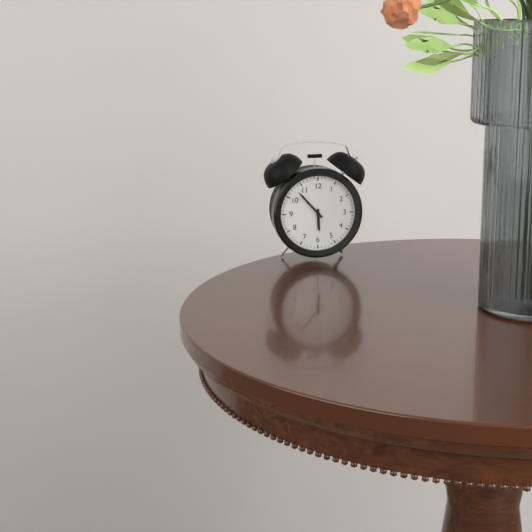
h=5 m=53
